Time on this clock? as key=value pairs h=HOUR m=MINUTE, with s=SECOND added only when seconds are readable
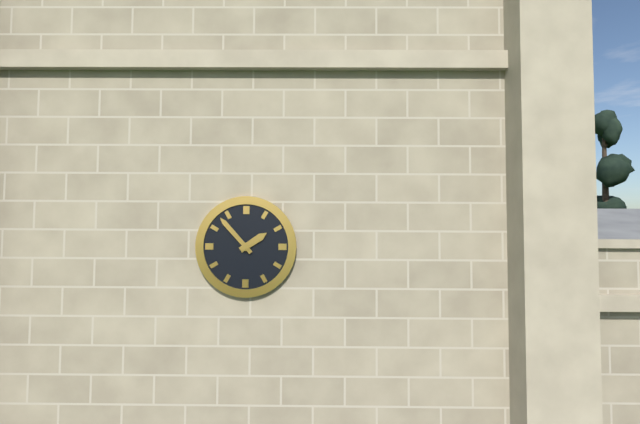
h=1 m=53
